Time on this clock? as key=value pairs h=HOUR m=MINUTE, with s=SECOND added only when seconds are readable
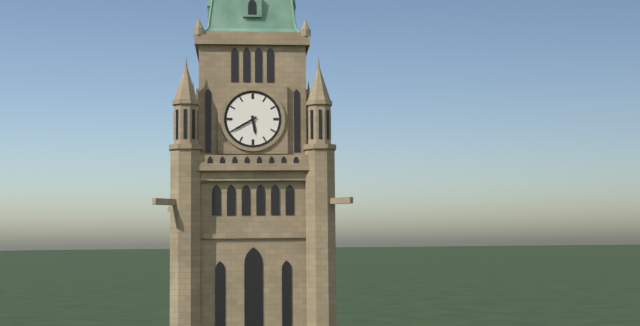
h=5 m=40
